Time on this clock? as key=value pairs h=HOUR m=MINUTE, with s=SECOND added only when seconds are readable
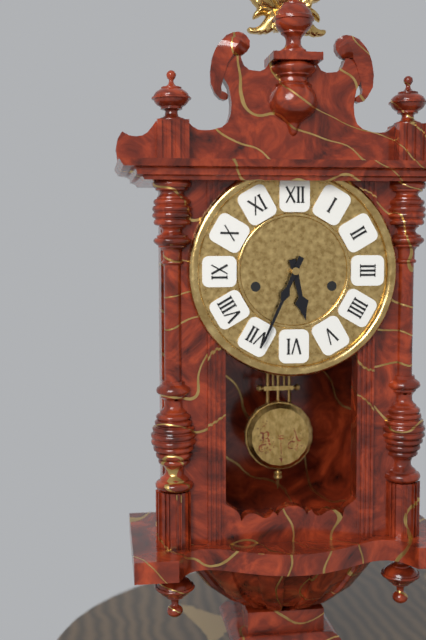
h=5 m=34
